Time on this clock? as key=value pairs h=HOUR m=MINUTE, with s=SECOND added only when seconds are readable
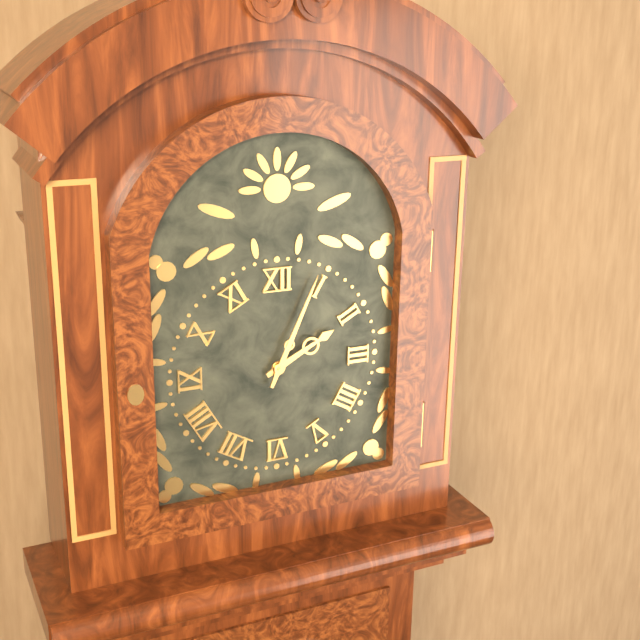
h=2 m=4
